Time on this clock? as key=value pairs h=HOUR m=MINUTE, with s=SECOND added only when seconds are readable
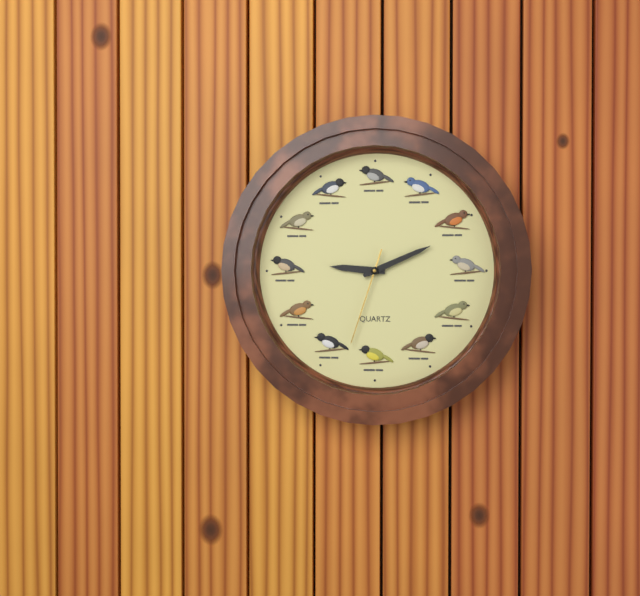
h=9 m=11 s=33
